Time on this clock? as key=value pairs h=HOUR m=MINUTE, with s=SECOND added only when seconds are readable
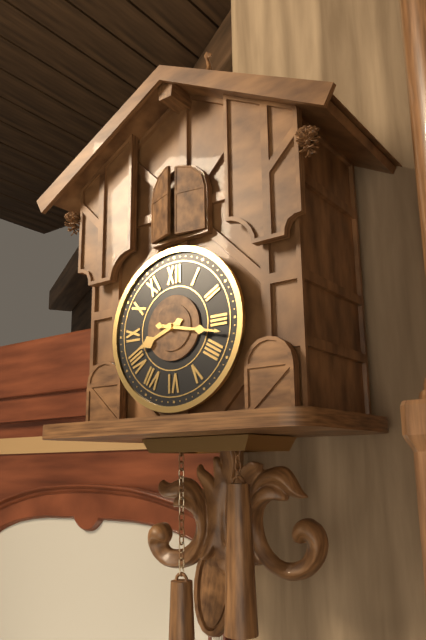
h=8 m=17
